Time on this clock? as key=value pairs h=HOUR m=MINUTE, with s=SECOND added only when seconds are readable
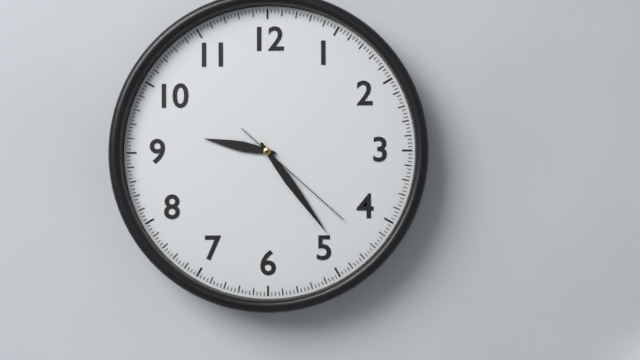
h=9 m=24 s=22
